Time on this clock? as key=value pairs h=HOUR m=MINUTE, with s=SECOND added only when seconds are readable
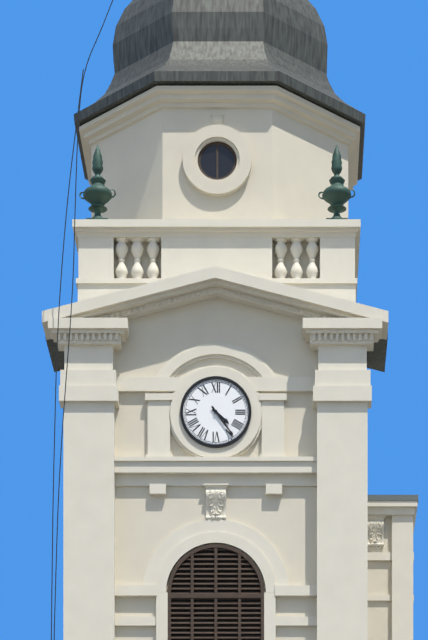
h=4 m=24
